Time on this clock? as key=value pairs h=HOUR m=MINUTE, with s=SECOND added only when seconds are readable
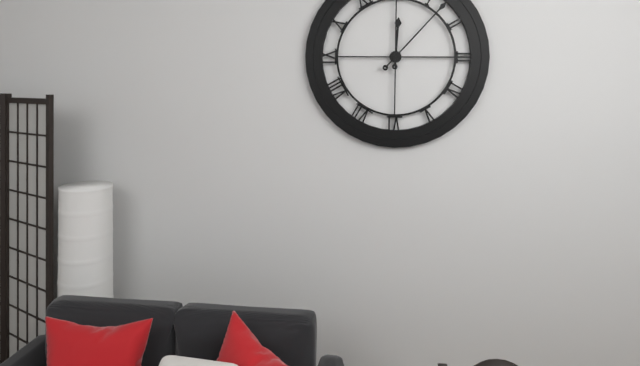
h=12 m=7
